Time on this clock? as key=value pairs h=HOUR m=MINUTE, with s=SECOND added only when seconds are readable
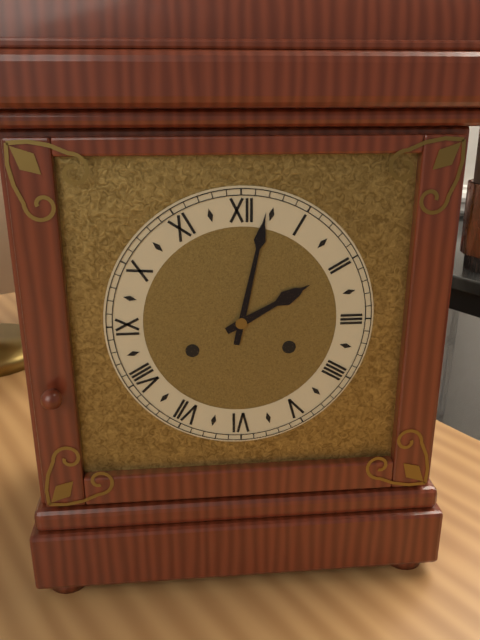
h=2 m=2
